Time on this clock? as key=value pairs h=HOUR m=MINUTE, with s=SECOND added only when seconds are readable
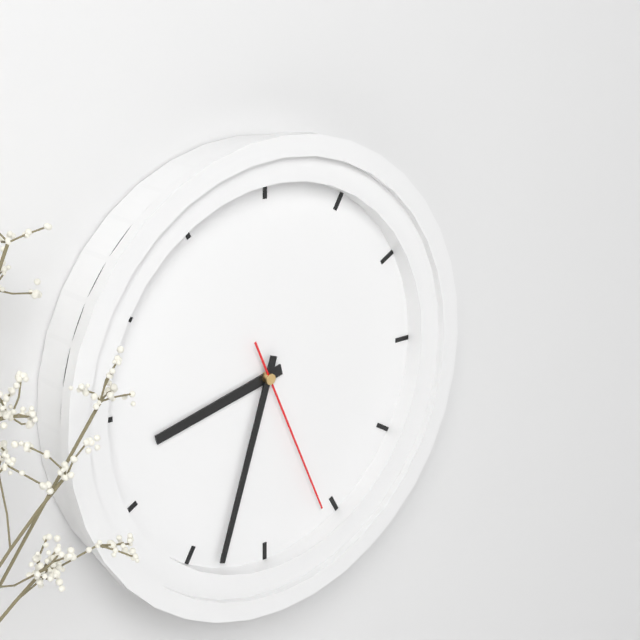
h=8 m=33 s=26
